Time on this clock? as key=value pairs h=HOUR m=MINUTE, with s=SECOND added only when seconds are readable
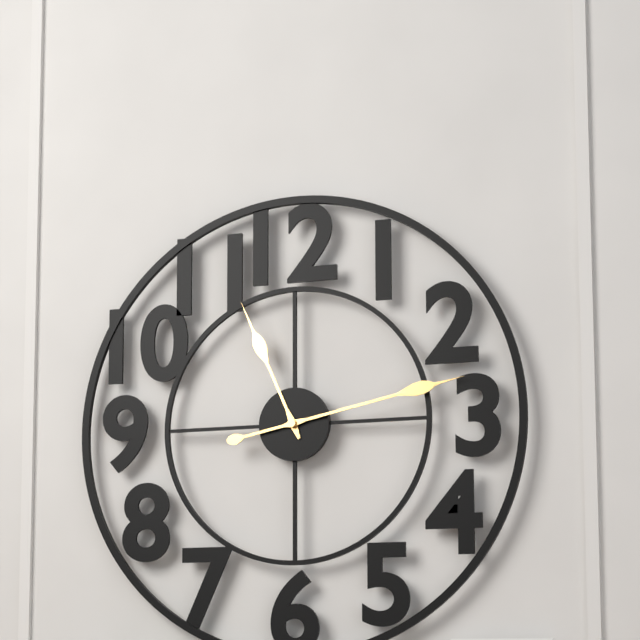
h=11 m=13
